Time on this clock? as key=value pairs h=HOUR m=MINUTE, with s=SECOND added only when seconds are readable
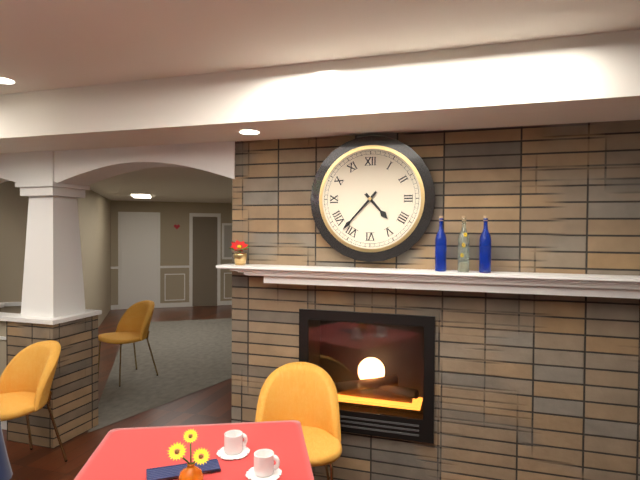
h=4 m=37
